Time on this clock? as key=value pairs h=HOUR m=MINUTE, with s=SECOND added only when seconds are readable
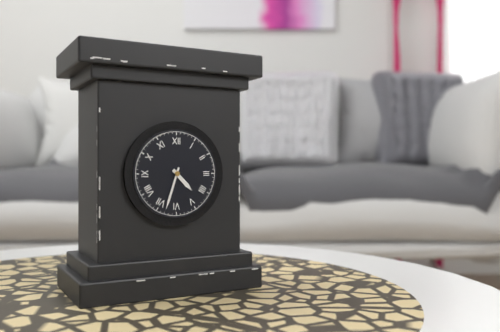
h=4 m=33
